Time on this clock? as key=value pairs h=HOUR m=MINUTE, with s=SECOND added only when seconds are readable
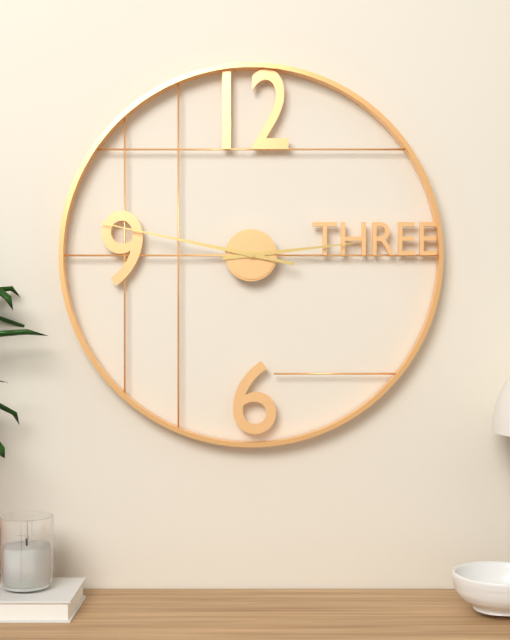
h=2 m=47
